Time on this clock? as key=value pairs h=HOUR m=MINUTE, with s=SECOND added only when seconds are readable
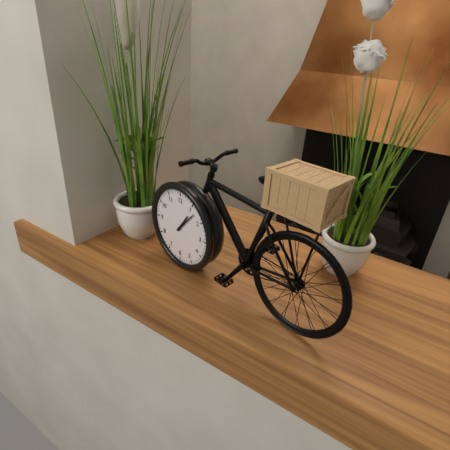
h=1 m=7
